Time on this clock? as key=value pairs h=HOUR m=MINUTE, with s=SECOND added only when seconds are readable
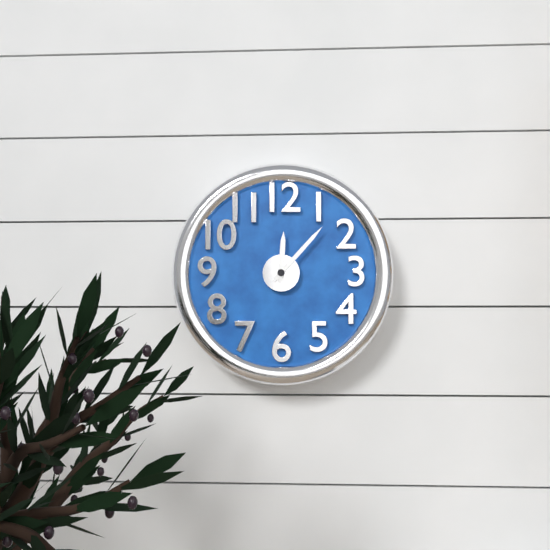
h=12 m=7
